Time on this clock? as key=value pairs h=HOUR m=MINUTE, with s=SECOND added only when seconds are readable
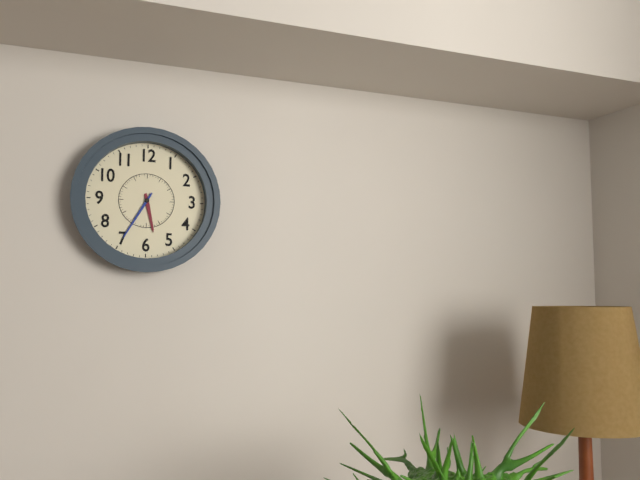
h=5 m=35
